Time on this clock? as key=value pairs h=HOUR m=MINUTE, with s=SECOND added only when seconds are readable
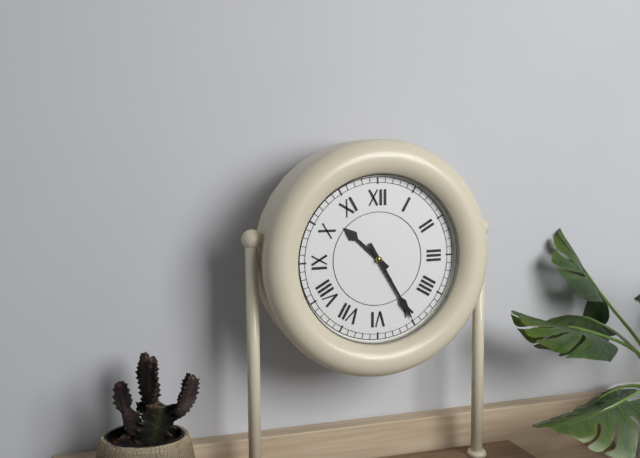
h=10 m=25
